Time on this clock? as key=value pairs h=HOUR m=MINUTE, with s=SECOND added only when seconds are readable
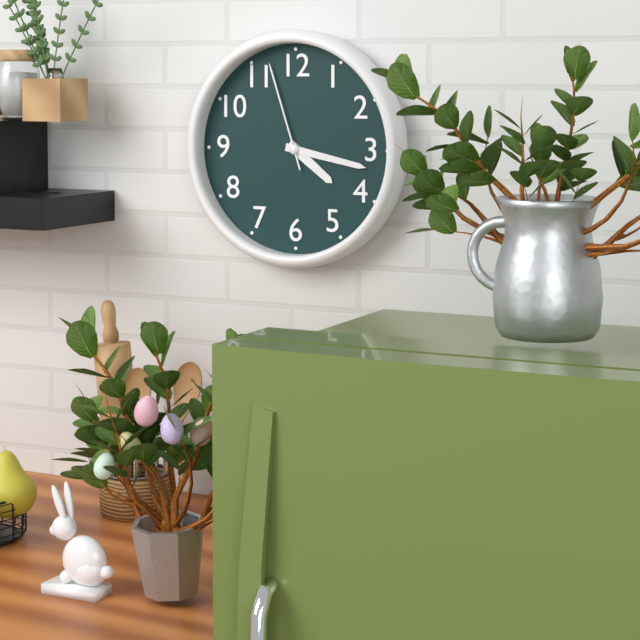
h=4 m=17 s=57
